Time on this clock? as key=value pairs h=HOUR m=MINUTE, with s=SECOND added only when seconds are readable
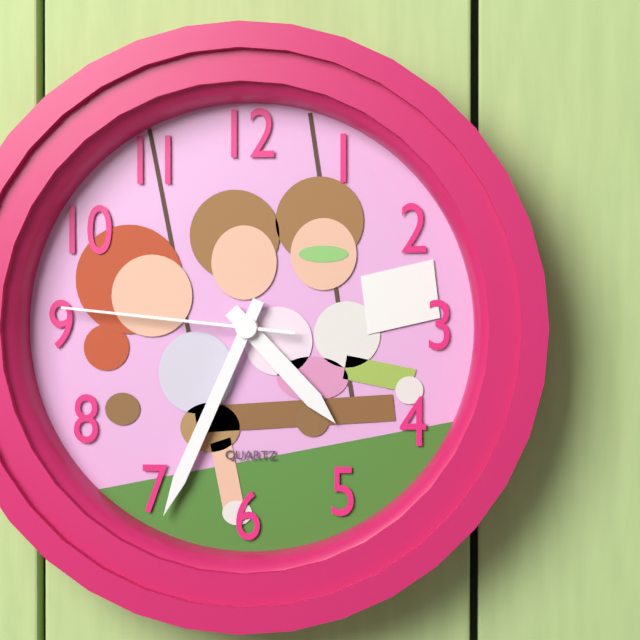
h=4 m=34 s=46
